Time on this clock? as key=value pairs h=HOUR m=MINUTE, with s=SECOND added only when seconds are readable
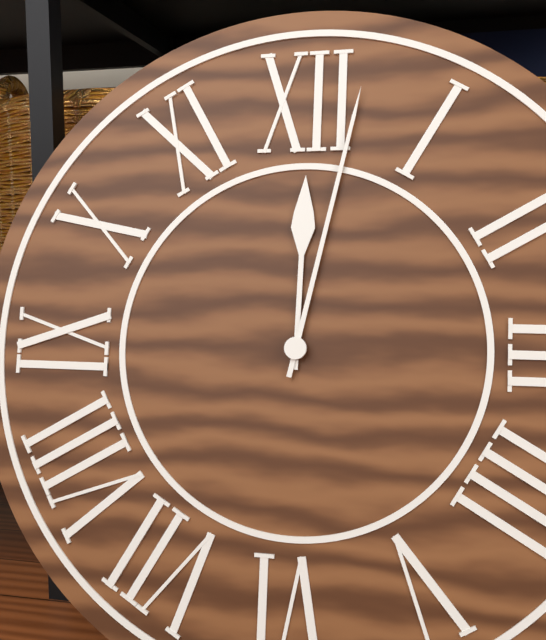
h=12 m=2
